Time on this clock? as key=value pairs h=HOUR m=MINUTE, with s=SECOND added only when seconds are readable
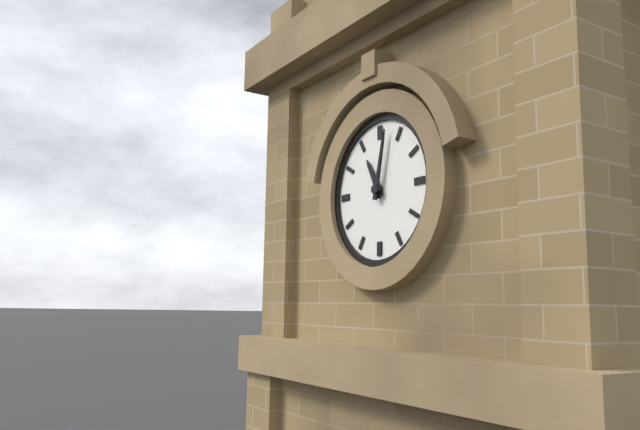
h=11 m=2
